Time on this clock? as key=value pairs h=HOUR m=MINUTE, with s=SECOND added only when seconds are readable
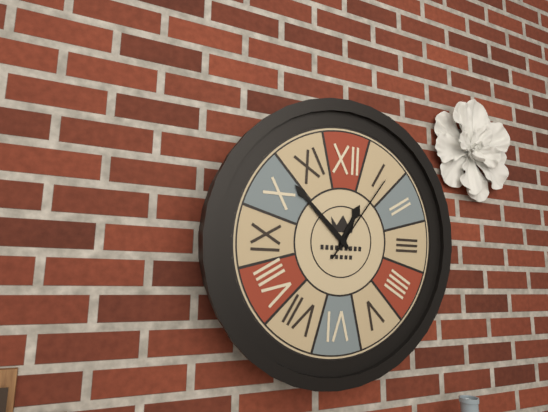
h=12 m=52 s=6
